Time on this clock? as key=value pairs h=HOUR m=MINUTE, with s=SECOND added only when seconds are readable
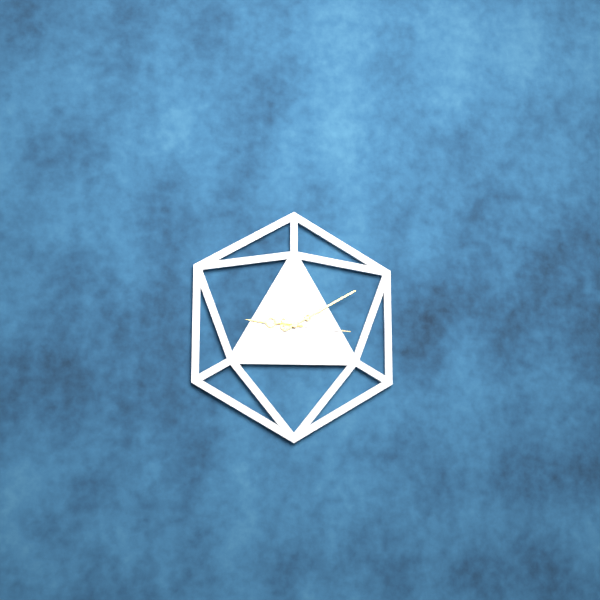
h=9 m=10 s=16
